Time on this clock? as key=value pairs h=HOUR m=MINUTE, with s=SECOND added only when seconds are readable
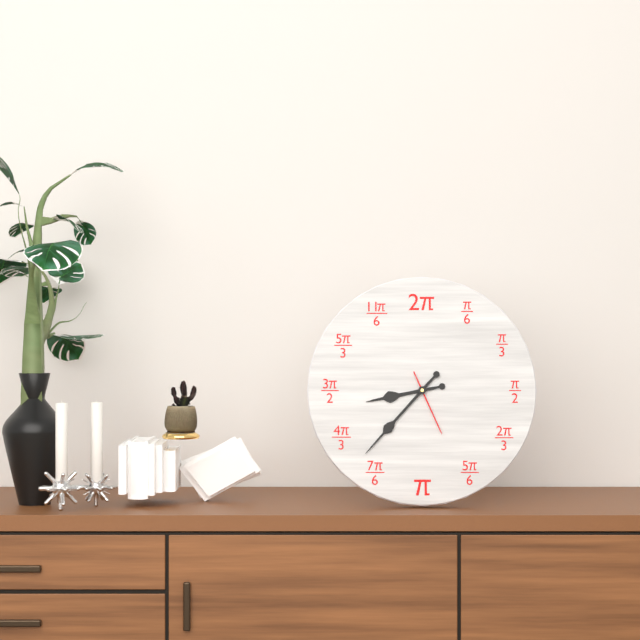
h=8 m=37 s=26
